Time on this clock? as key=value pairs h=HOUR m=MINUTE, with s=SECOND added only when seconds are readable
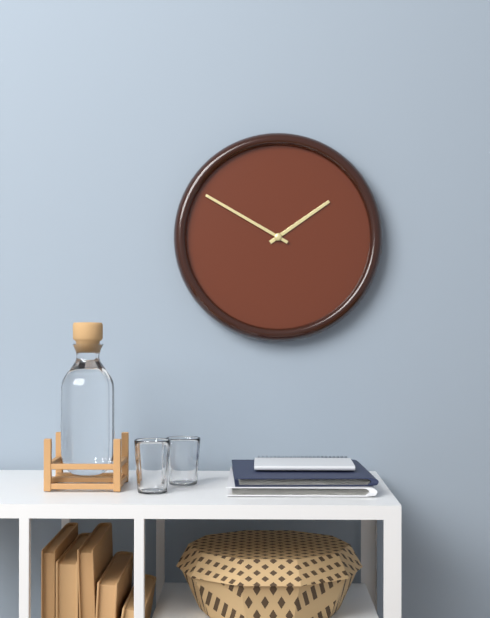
h=1 m=50
